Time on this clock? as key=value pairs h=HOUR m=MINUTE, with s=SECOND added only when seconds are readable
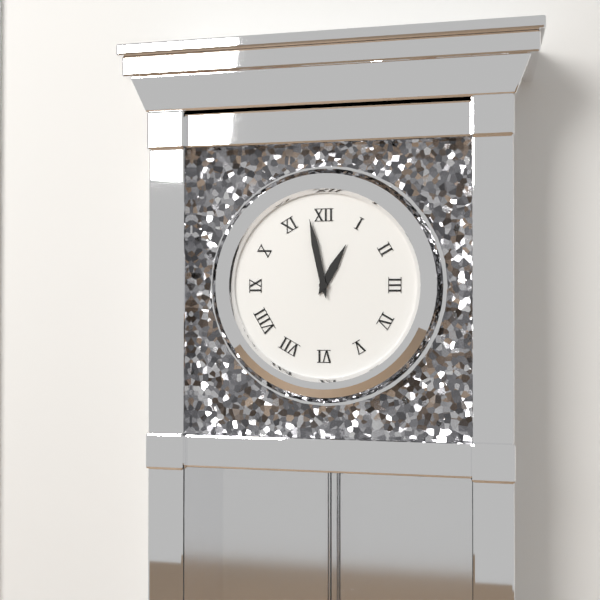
h=12 m=58
